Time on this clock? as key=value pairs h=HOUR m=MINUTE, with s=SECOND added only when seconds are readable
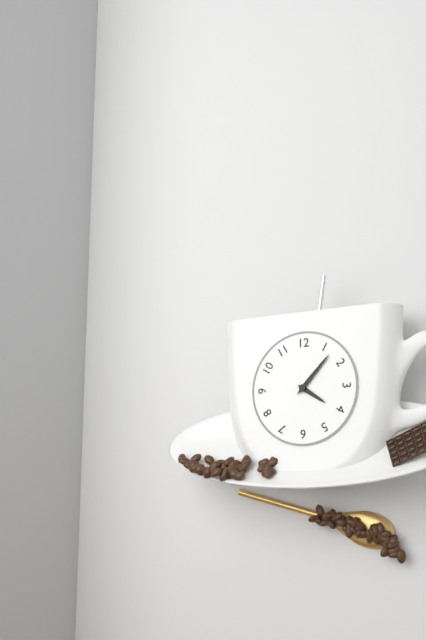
h=4 m=7
